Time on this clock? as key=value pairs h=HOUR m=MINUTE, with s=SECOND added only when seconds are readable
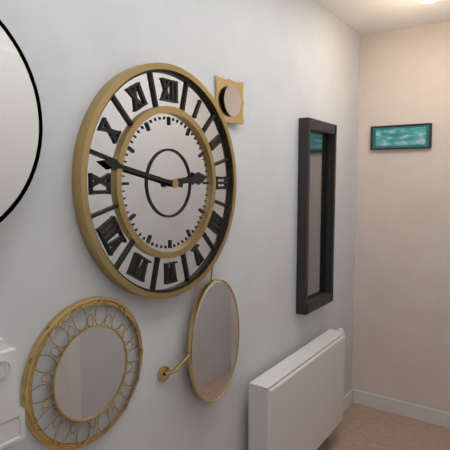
h=2 m=47
